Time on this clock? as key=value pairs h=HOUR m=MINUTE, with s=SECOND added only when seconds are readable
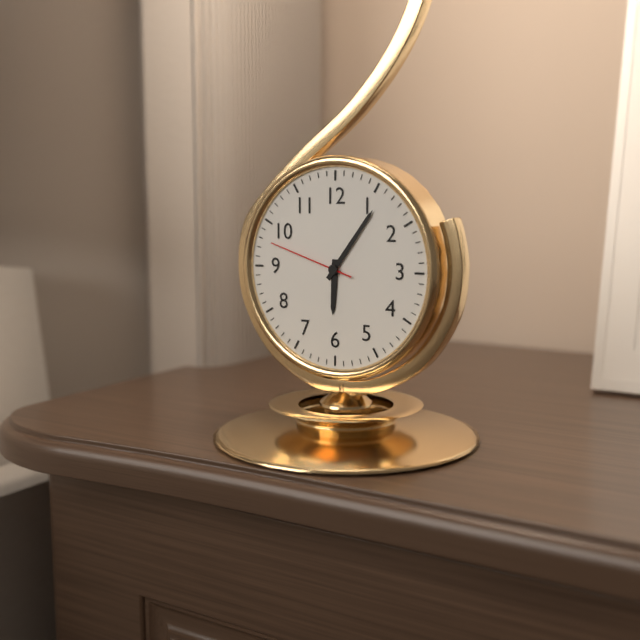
h=6 m=6 s=48
